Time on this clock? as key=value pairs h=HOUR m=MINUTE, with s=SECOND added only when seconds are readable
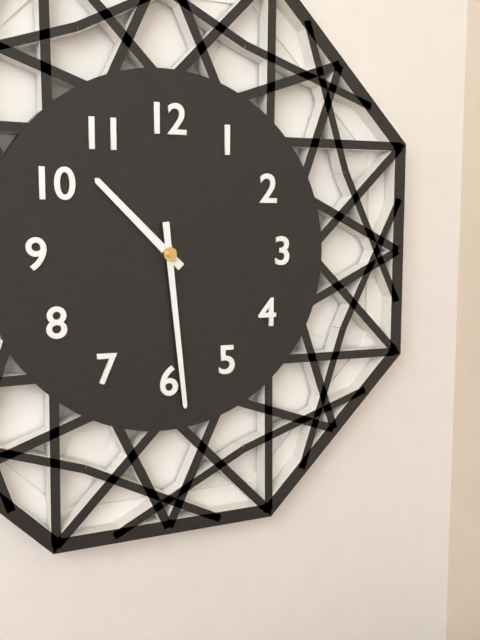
h=10 m=29
